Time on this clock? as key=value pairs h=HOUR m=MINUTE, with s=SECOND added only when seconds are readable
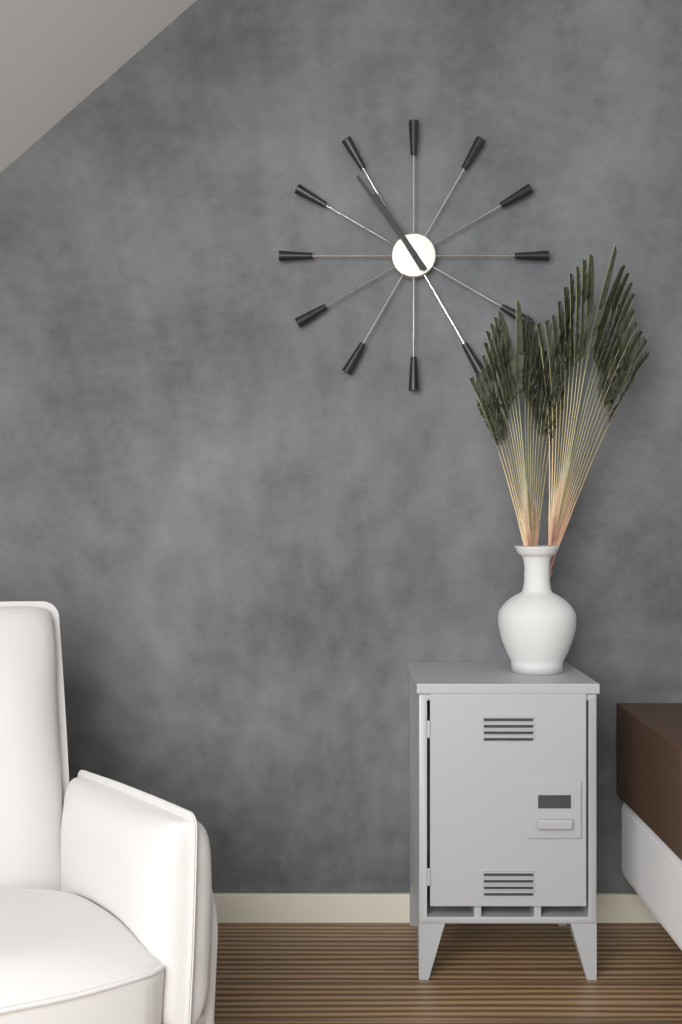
h=10 m=54
